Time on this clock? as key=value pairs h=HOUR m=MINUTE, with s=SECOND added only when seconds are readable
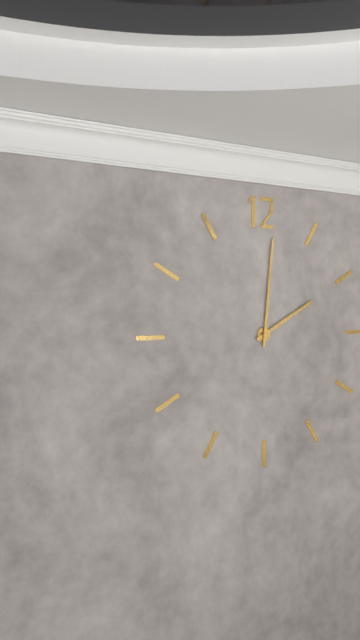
h=2 m=1
